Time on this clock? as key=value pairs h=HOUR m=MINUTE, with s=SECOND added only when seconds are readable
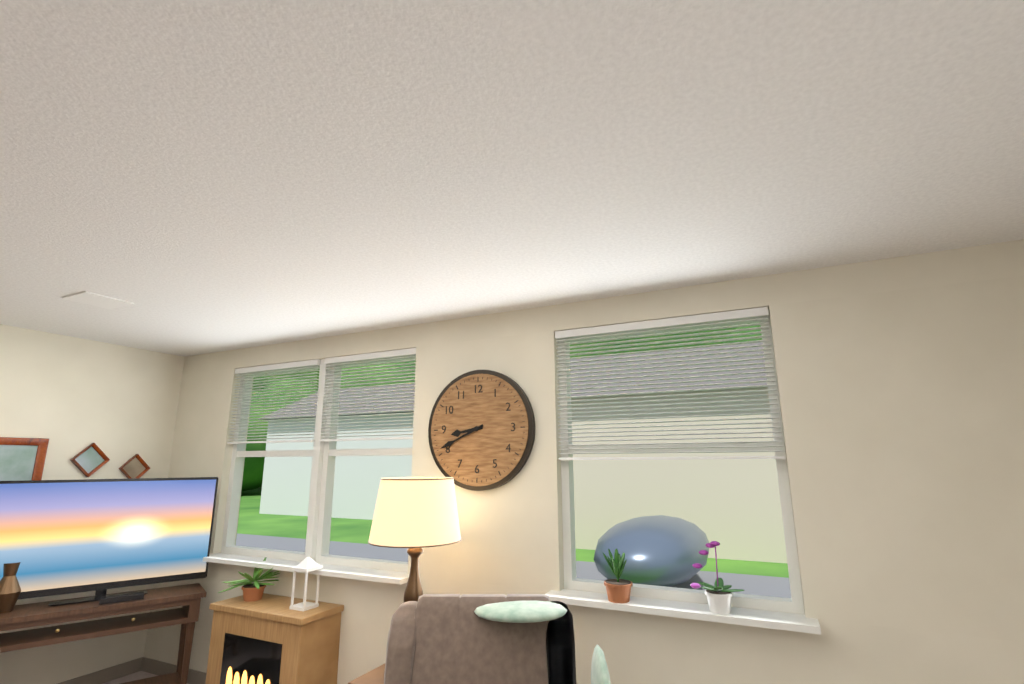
h=8 m=41
